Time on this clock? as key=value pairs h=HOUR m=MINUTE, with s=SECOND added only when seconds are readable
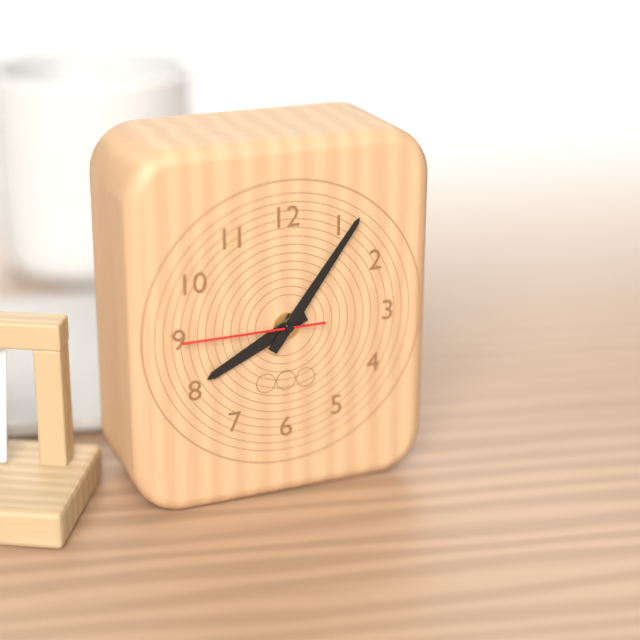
h=8 m=6 s=45
